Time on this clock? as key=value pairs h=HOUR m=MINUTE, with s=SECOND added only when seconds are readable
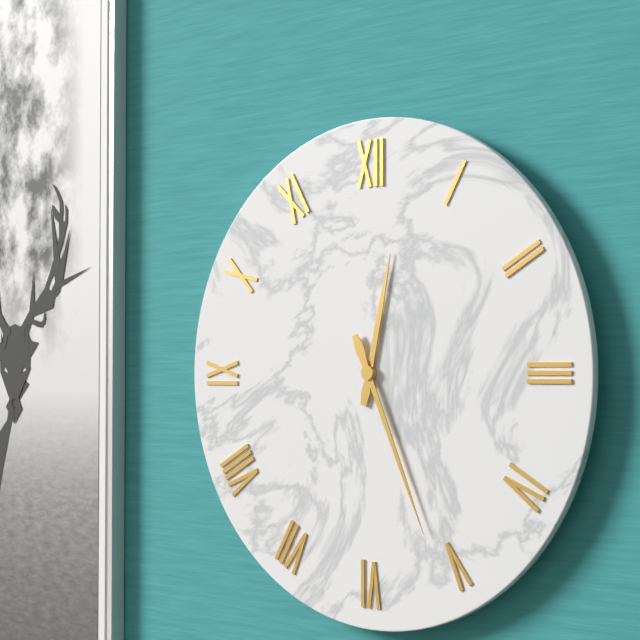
h=12 m=26
